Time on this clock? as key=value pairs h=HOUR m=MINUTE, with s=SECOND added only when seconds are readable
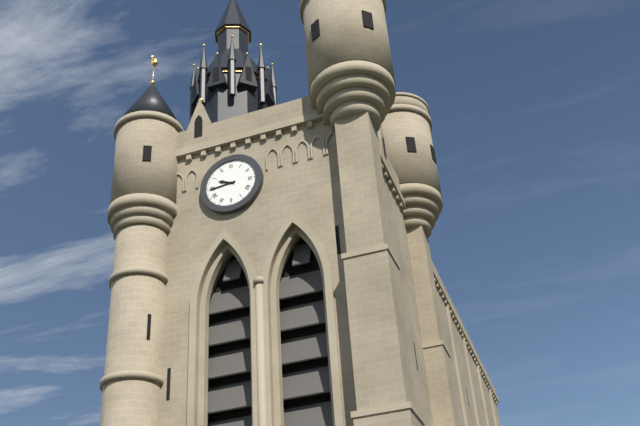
h=9 m=44
